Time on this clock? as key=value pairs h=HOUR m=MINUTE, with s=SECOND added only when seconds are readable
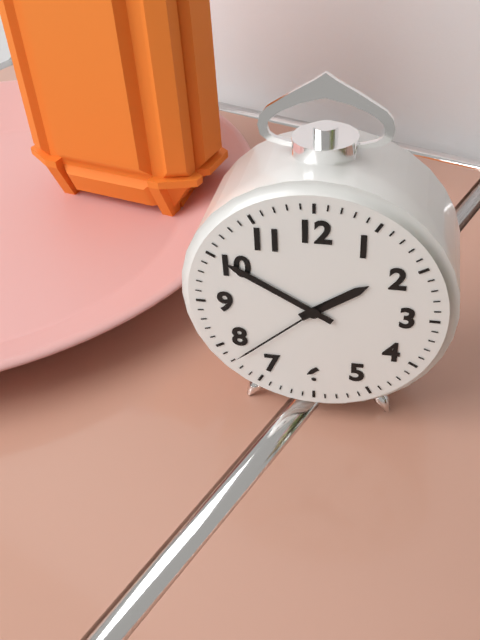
h=1 m=50 s=38
